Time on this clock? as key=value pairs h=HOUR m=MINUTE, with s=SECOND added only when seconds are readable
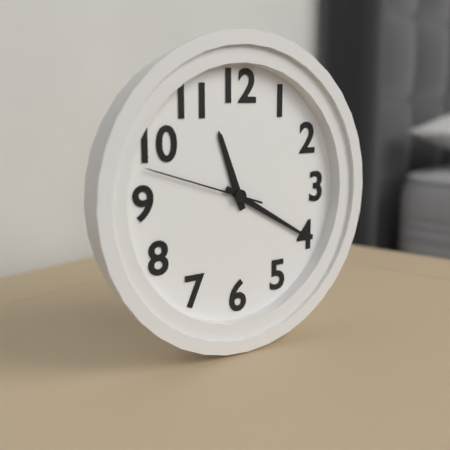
h=11 m=20 s=48
